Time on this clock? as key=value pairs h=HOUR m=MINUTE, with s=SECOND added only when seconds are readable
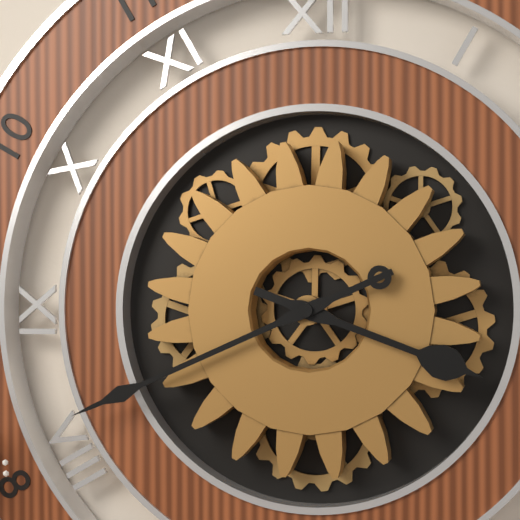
h=3 m=41
